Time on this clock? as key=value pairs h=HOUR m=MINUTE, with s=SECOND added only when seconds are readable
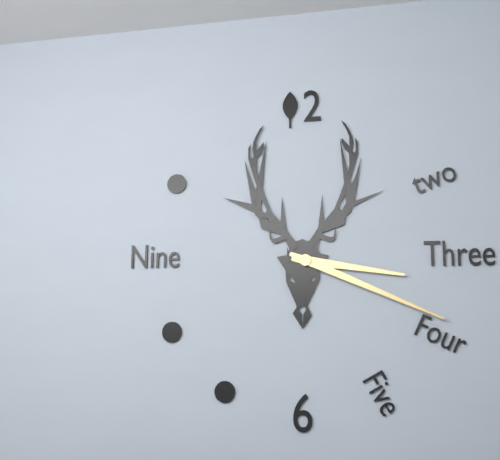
h=3 m=19
